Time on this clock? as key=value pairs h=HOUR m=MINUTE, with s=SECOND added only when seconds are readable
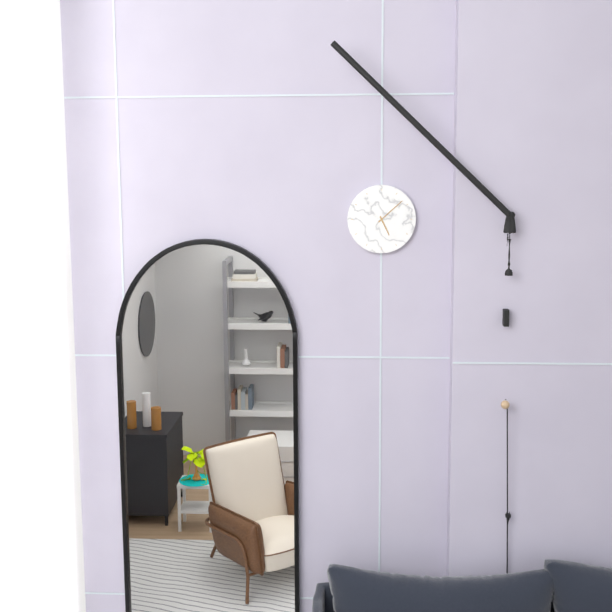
h=5 m=8
